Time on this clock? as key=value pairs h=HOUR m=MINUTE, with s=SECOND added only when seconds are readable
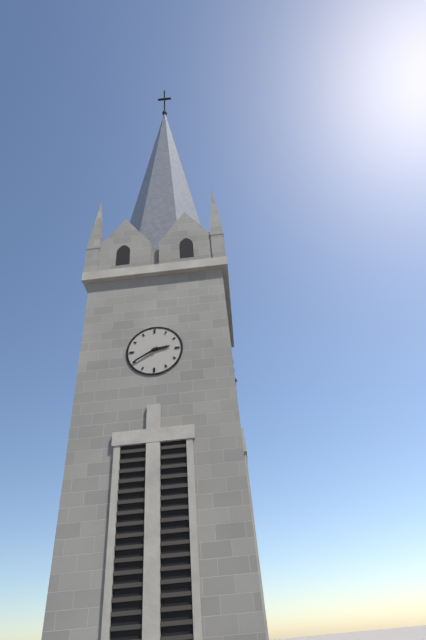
h=2 m=40
